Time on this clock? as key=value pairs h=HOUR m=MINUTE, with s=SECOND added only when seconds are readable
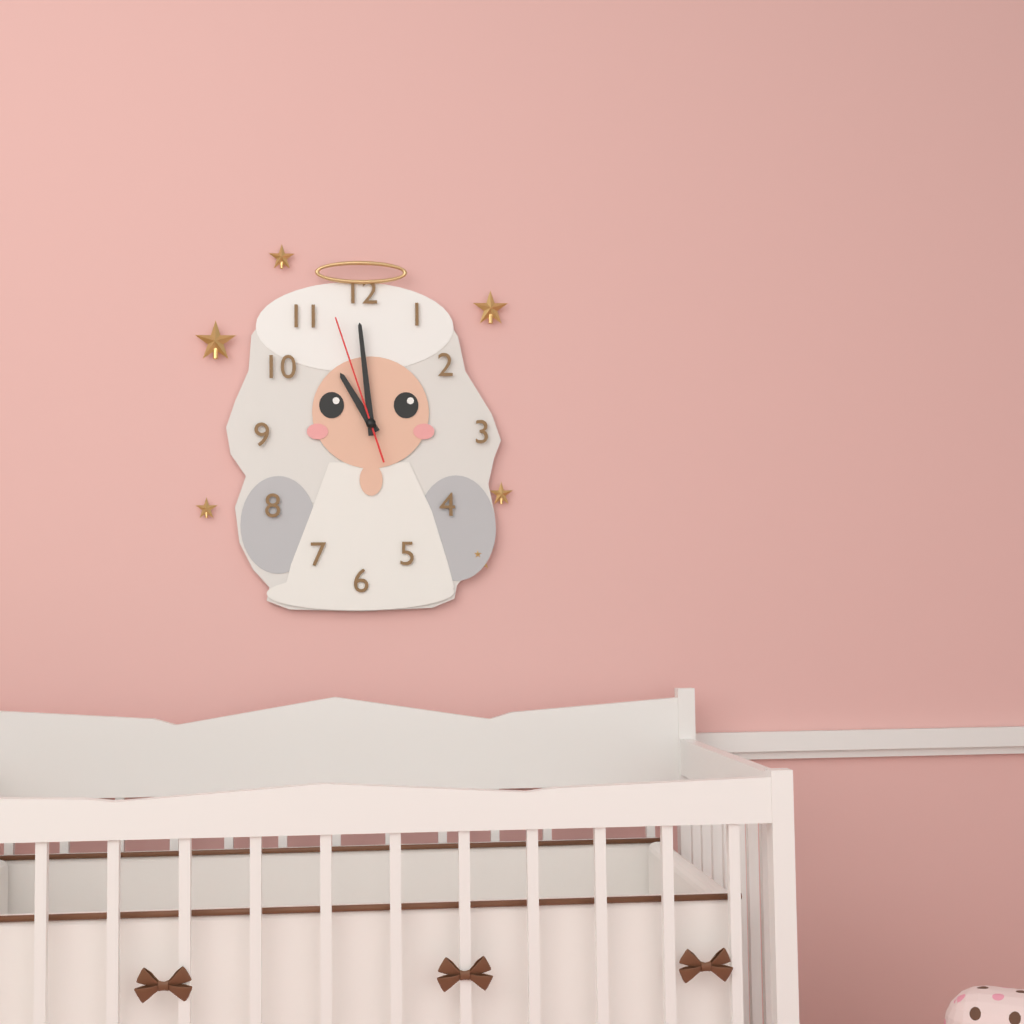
h=10 m=59 s=57
